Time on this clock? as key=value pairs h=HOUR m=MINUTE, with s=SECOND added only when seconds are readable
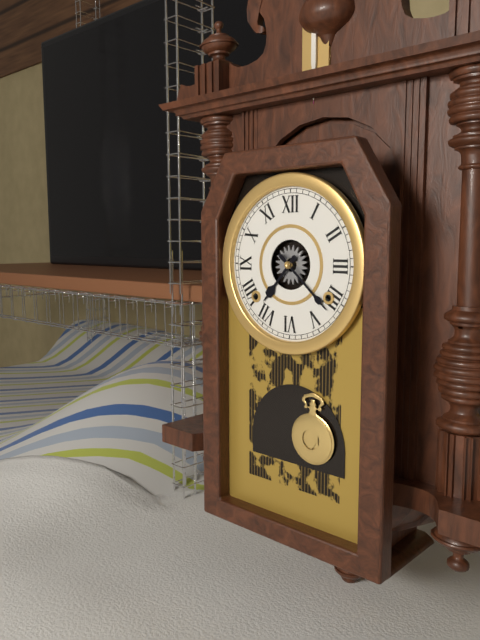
h=7 m=22
